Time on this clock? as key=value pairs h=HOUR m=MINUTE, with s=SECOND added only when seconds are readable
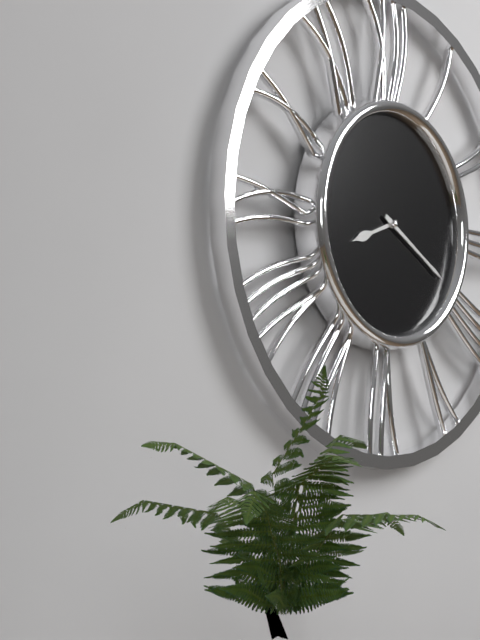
h=8 m=20
